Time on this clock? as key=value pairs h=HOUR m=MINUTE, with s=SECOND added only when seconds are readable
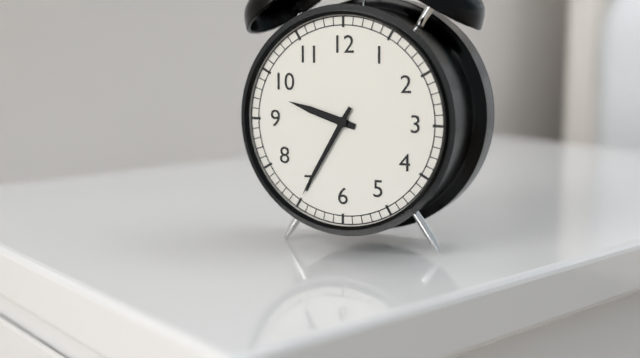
h=9 m=35
